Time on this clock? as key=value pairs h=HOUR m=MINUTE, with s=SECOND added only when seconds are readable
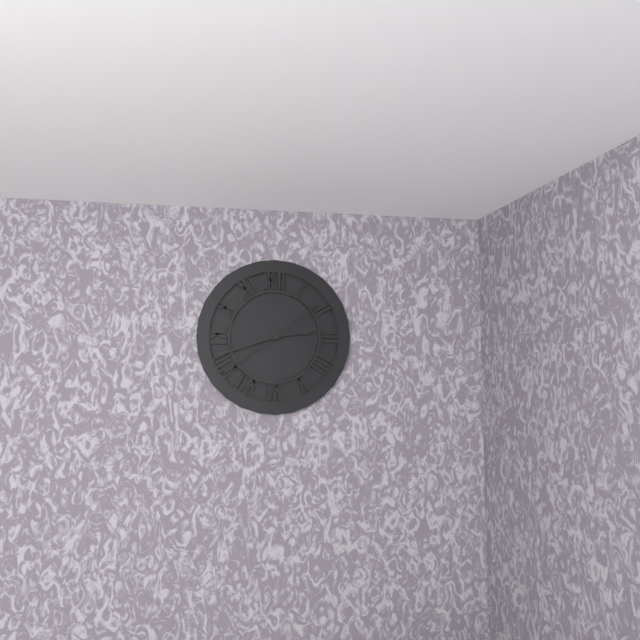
h=2 m=42 s=39
